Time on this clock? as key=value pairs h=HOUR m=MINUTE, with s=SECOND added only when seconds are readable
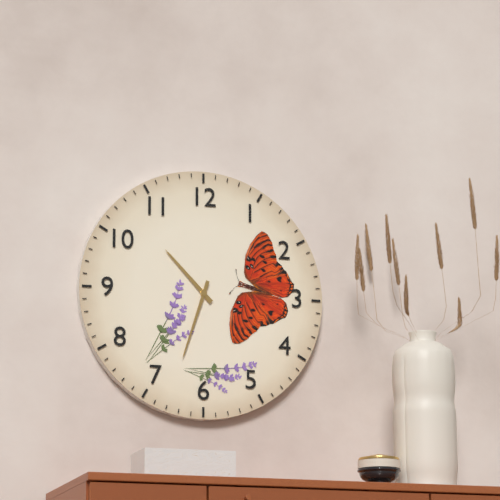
h=10 m=33
